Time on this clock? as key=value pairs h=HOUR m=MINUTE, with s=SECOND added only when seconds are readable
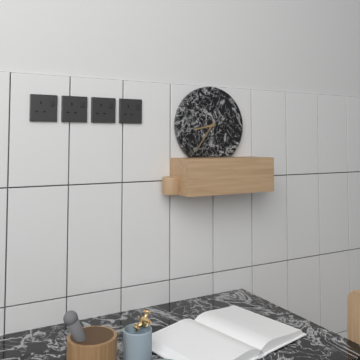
h=8 m=36
